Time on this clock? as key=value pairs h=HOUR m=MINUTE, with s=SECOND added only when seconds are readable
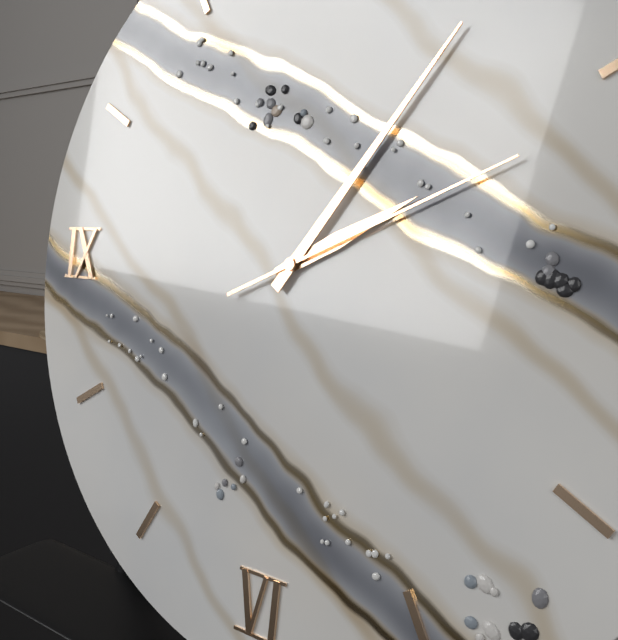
h=2 m=6 s=11
